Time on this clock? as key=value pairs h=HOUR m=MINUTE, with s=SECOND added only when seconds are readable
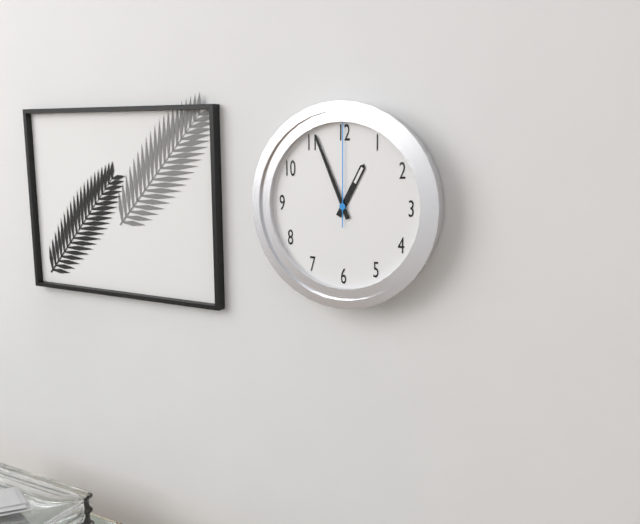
h=12 m=56 s=0
